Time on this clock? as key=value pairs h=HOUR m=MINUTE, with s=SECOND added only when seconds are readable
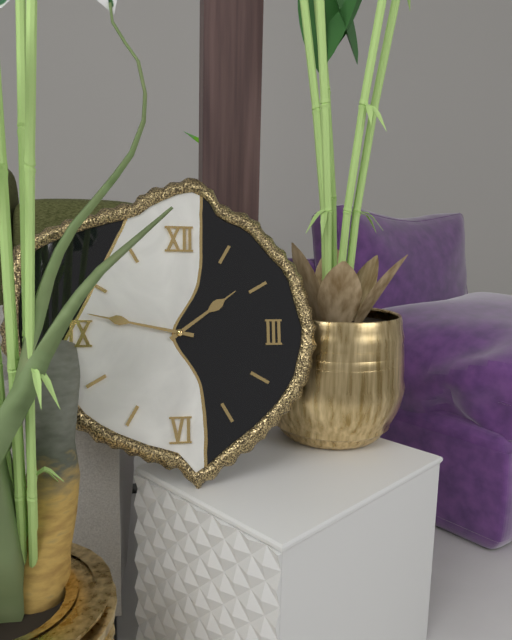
h=1 m=47
